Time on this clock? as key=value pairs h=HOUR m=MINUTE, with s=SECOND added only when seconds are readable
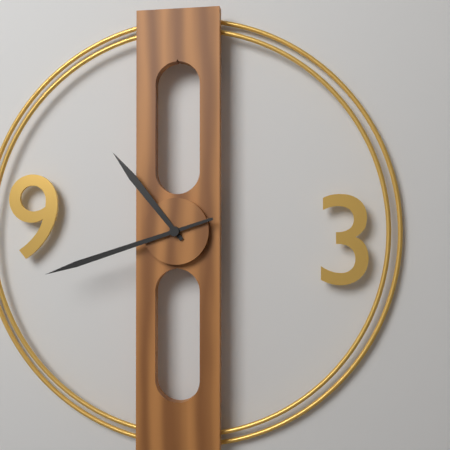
h=10 m=42
